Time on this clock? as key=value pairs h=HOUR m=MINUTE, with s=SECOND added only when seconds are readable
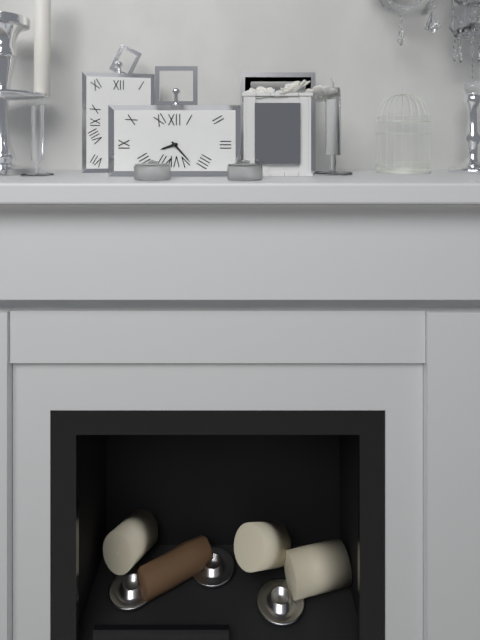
h=8 m=23
